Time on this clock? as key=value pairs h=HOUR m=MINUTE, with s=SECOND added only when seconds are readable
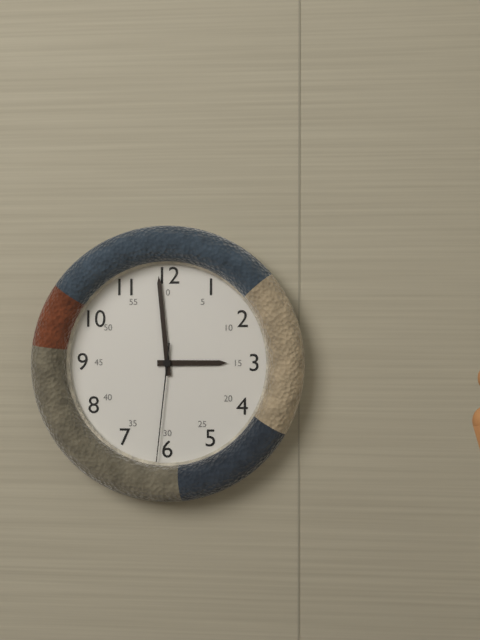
h=2 m=59 s=31
